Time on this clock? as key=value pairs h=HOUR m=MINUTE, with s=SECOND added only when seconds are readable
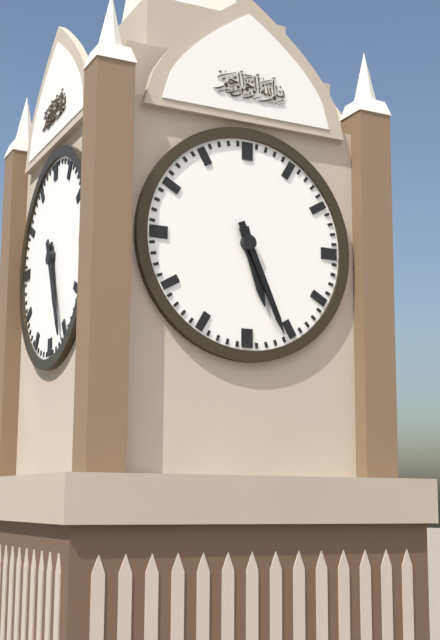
h=5 m=26
